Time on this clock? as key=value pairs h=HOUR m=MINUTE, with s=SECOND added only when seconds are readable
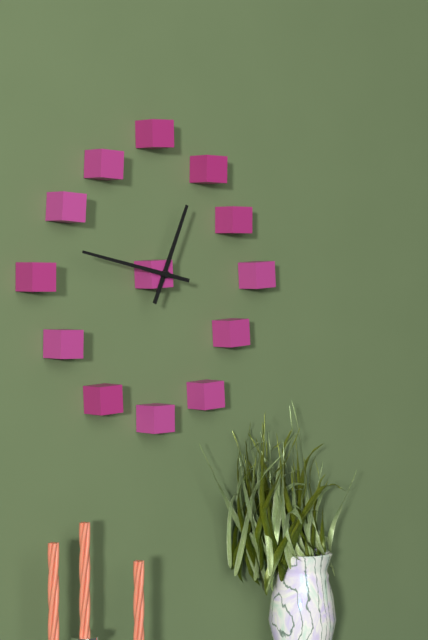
h=12 m=47
